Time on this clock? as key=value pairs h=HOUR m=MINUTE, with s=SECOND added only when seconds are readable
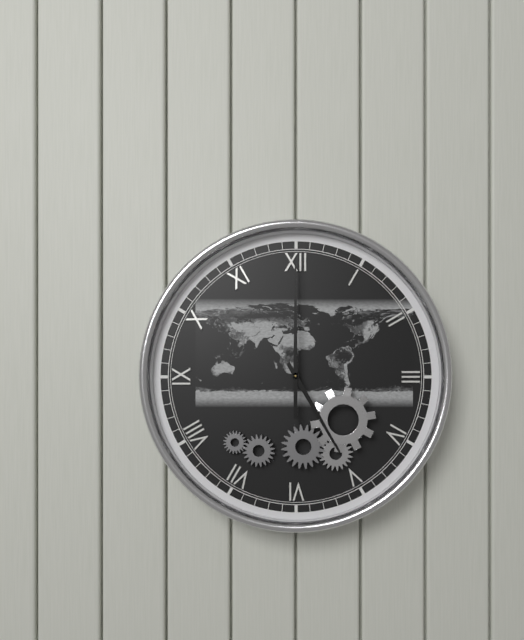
h=5 m=0
